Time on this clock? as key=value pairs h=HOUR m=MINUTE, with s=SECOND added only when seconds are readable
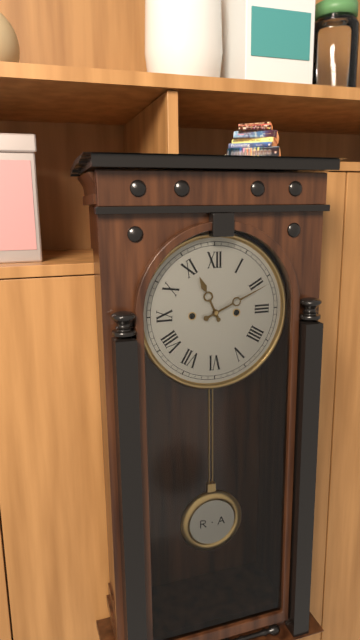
h=11 m=11
